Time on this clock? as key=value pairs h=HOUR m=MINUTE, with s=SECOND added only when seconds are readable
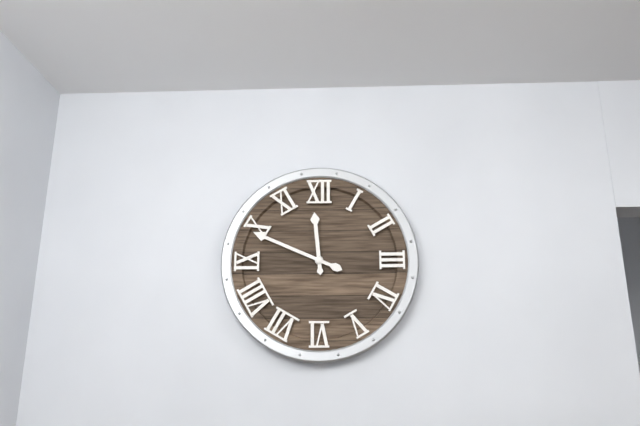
h=11 m=49
